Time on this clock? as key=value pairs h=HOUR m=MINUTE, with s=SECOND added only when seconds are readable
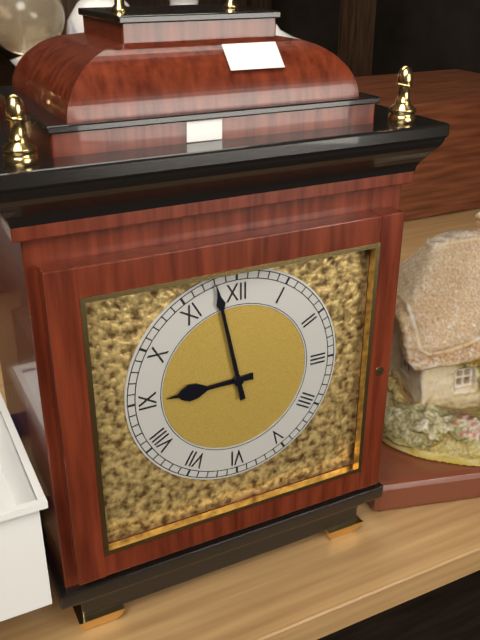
h=8 m=58
